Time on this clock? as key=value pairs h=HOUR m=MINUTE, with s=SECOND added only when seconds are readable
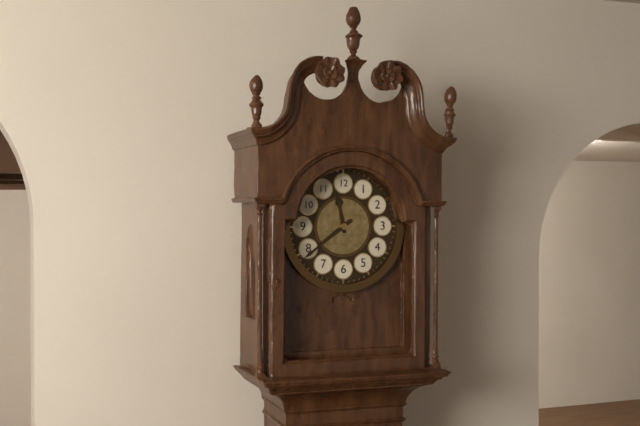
h=11 m=39
